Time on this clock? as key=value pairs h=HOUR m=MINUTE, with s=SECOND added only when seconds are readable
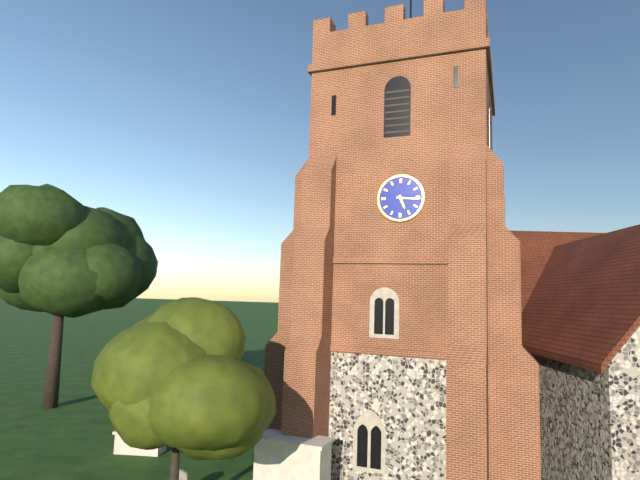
h=5 m=16
